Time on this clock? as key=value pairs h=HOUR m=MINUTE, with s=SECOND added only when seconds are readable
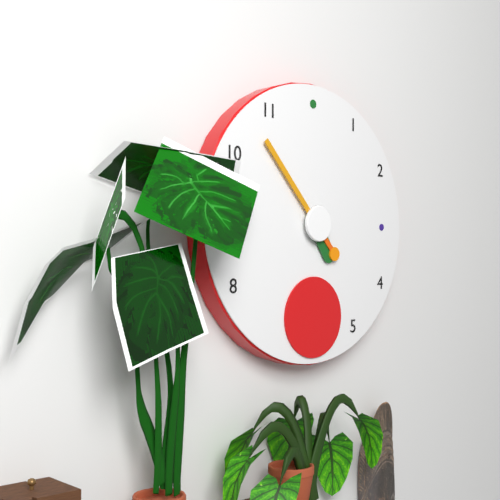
h=4 m=53
